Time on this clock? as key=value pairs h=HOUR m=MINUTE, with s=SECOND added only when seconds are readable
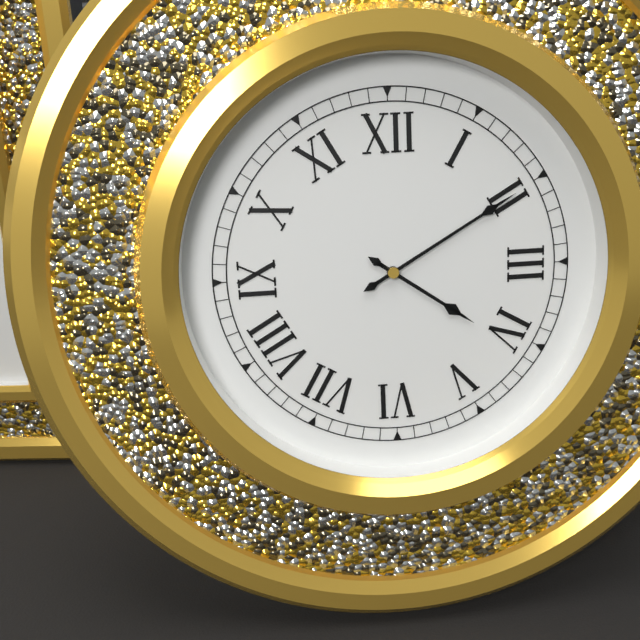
h=4 m=10
